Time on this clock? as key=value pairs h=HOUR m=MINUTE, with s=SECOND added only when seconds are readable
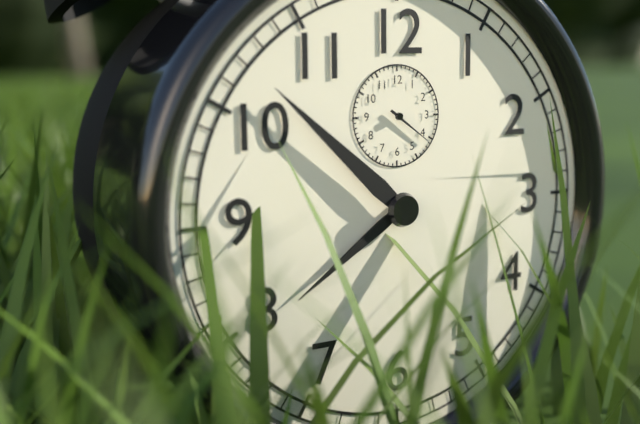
h=7 m=52
